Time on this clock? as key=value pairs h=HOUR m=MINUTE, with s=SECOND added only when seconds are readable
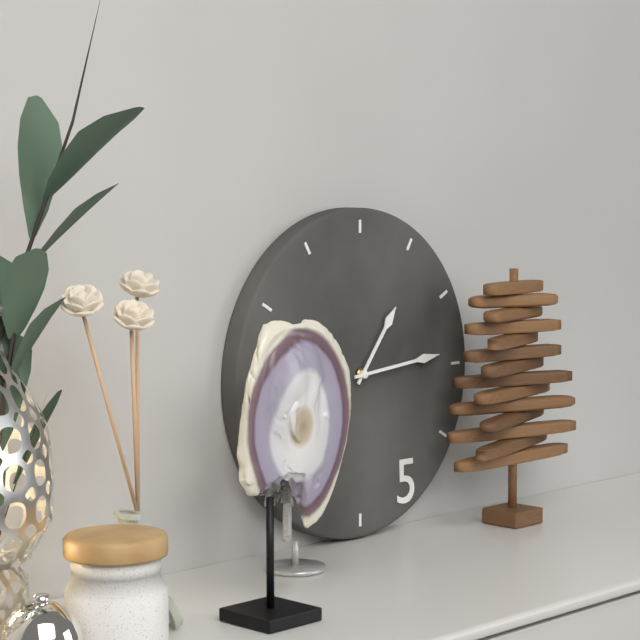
h=1 m=14
